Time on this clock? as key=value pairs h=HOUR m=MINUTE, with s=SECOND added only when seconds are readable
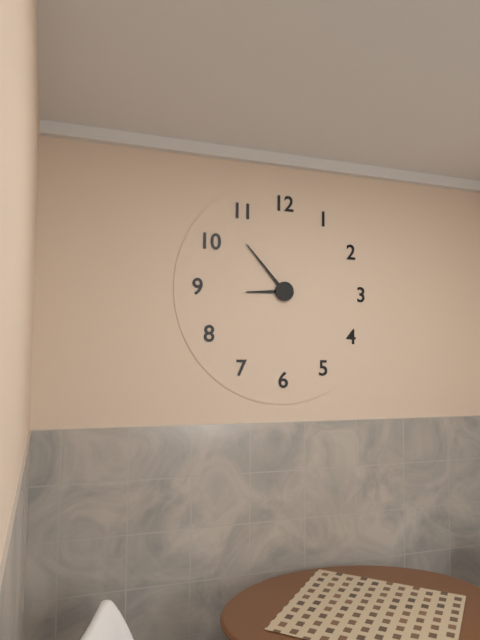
h=8 m=53
